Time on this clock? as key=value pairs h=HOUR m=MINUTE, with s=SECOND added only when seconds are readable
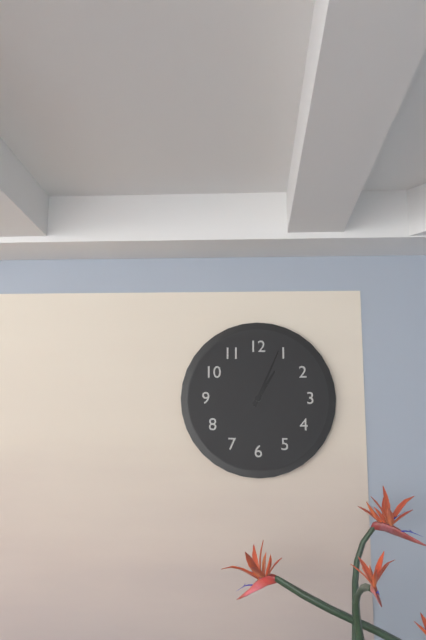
h=1 m=4
